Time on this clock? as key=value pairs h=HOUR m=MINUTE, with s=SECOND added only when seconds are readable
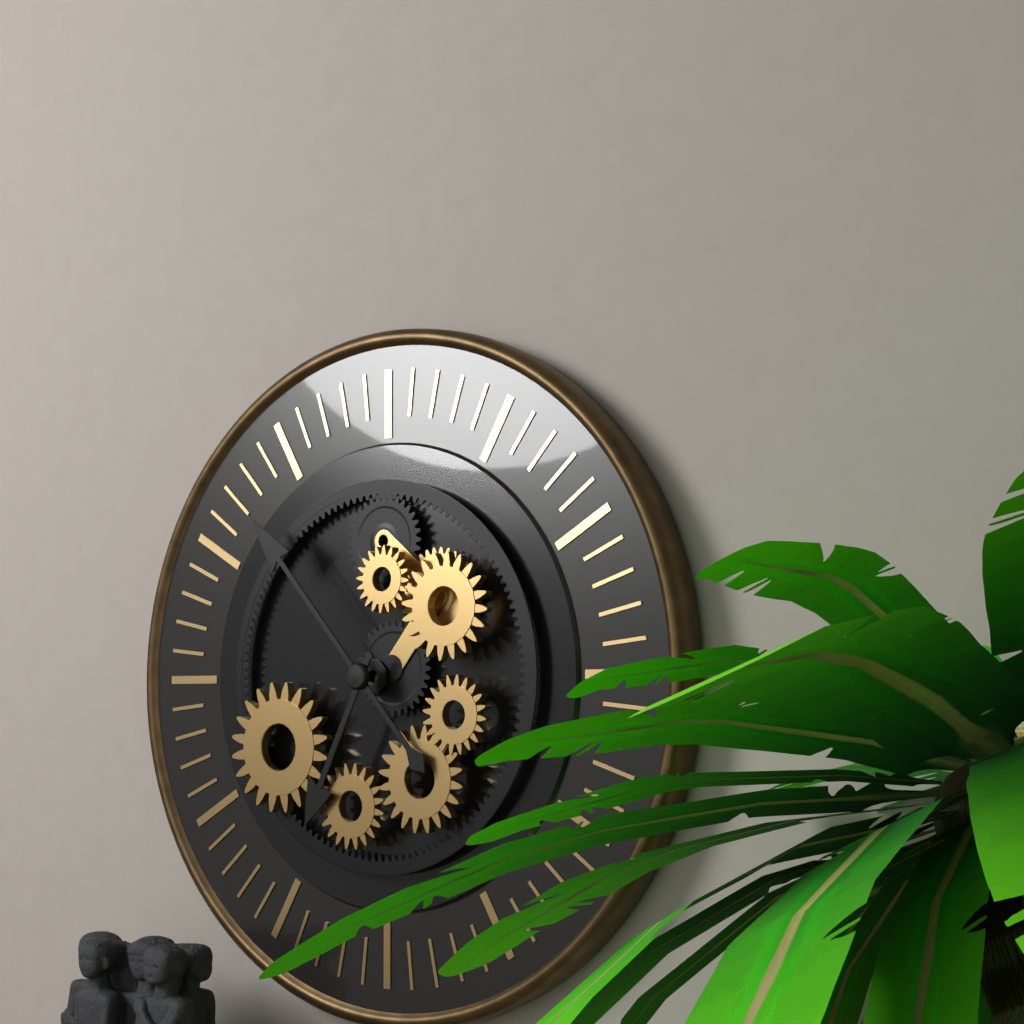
h=6 m=53
